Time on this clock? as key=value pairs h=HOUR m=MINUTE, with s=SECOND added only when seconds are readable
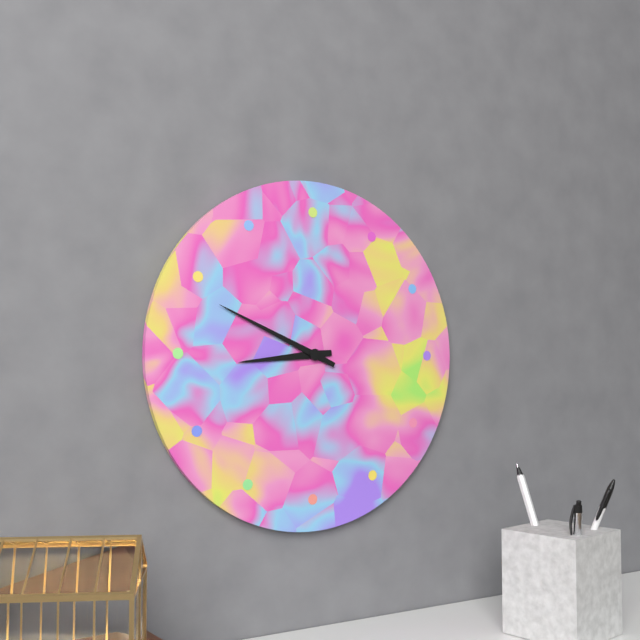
h=8 m=49
